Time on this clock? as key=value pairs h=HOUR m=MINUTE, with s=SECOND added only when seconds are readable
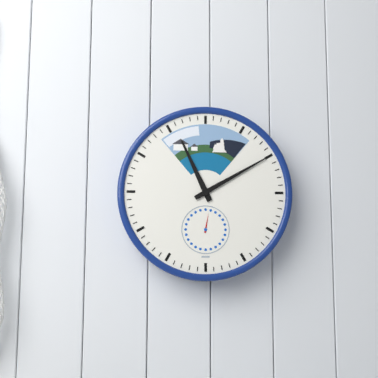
h=11 m=10
